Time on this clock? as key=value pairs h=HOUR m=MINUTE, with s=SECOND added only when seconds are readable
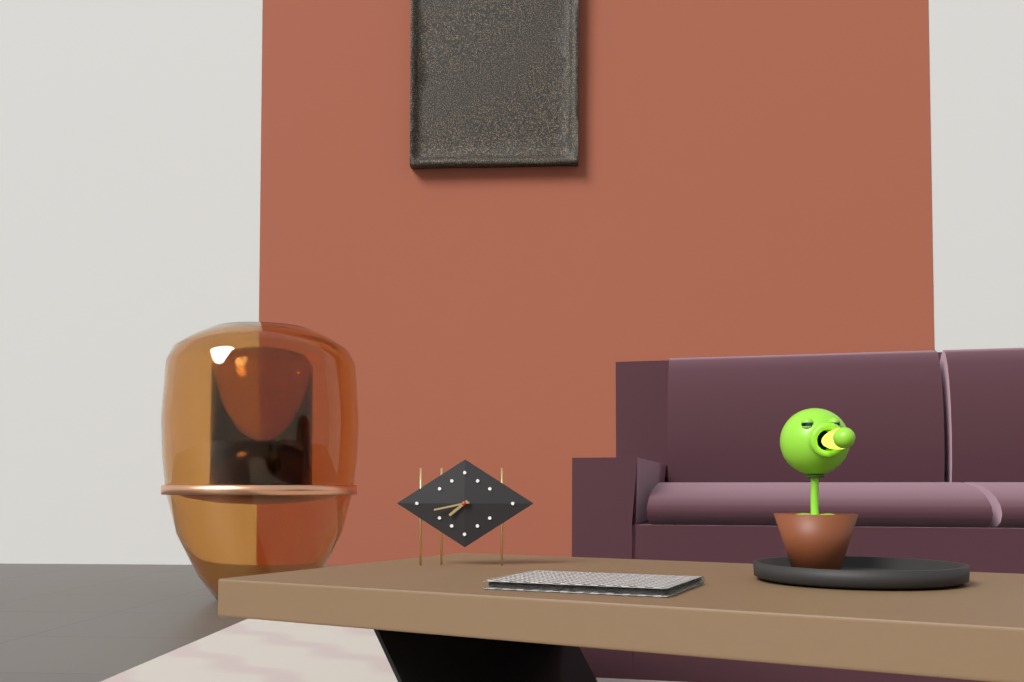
h=7 m=43
